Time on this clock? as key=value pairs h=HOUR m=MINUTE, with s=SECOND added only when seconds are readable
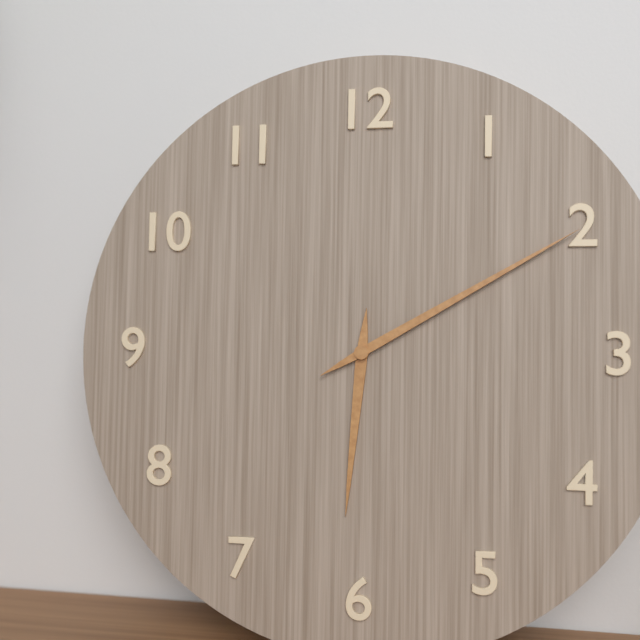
h=6 m=10
